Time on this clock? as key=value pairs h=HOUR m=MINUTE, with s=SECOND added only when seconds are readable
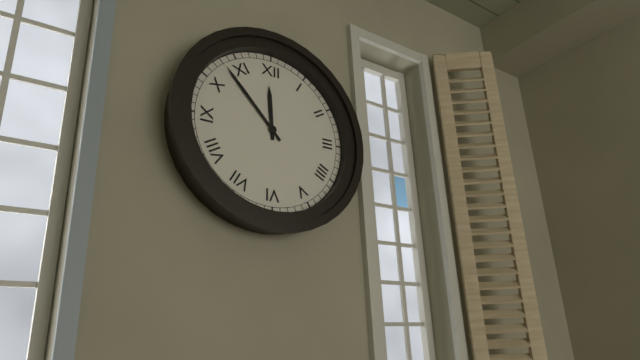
h=11 m=53
